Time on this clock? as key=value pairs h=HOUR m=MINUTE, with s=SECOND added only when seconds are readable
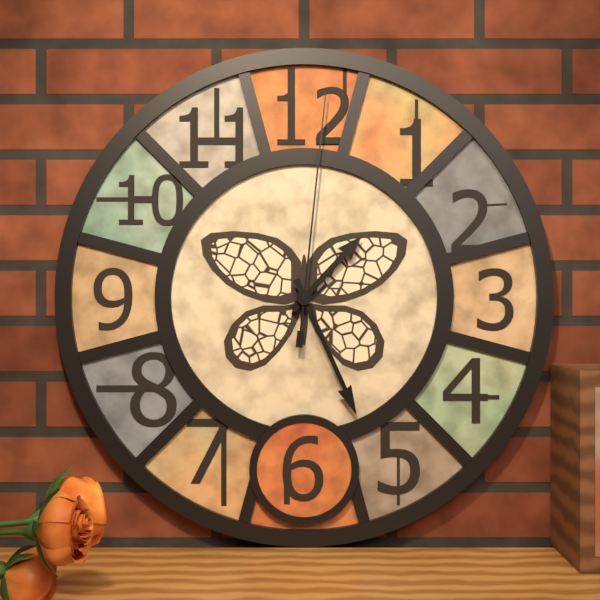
h=1 m=26 s=1
